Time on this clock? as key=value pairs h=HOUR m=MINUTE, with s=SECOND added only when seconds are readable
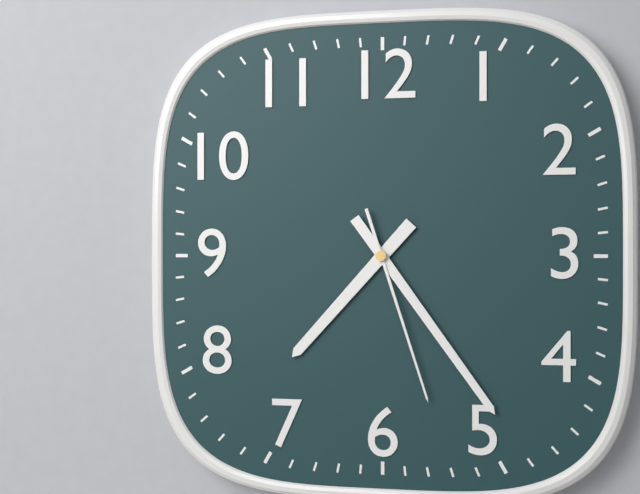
h=7 m=24 s=27
